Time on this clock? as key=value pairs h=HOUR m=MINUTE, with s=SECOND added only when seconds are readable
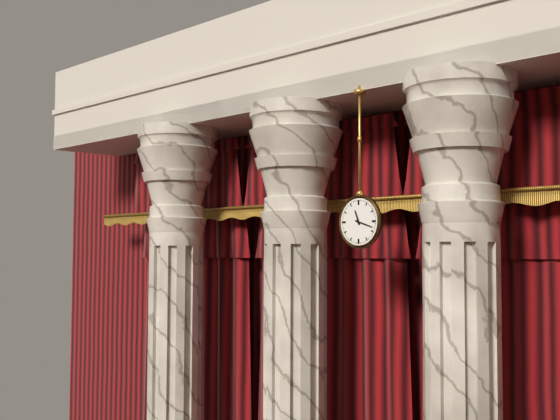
h=11 m=18
